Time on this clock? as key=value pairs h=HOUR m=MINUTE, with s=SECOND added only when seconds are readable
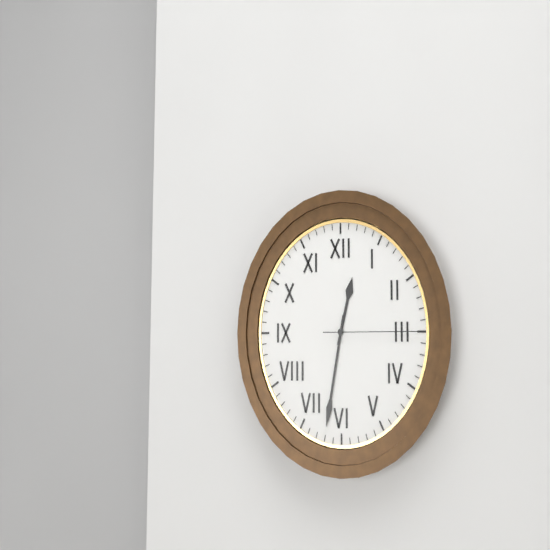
h=12 m=32 s=15
